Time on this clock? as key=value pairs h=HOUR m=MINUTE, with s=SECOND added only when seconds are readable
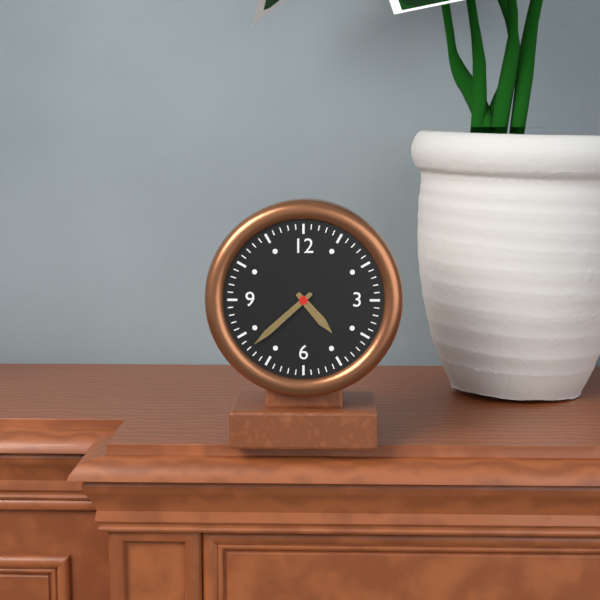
h=4 m=38
